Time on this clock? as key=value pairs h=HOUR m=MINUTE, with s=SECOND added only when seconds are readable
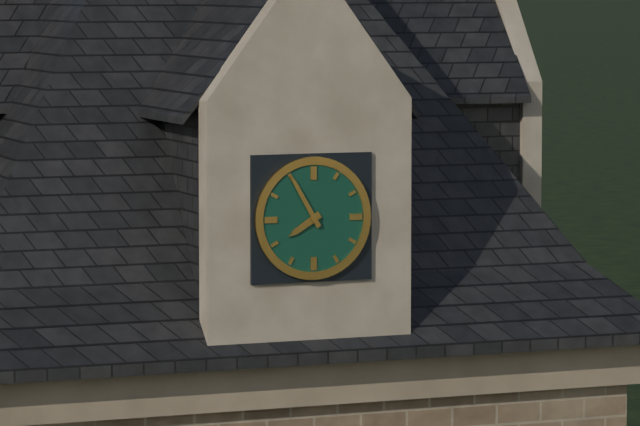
h=7 m=55
